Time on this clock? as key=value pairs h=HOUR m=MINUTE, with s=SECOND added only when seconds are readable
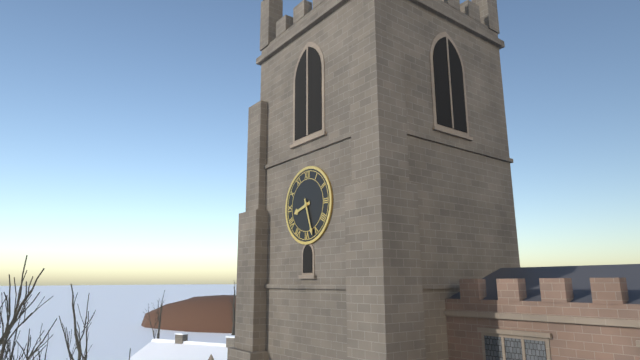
h=8 m=27
